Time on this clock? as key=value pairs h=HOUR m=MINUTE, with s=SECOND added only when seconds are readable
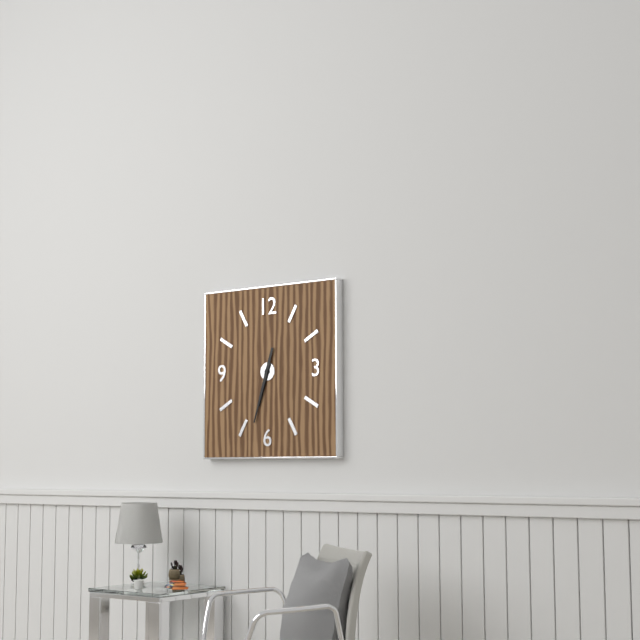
h=6 m=33
